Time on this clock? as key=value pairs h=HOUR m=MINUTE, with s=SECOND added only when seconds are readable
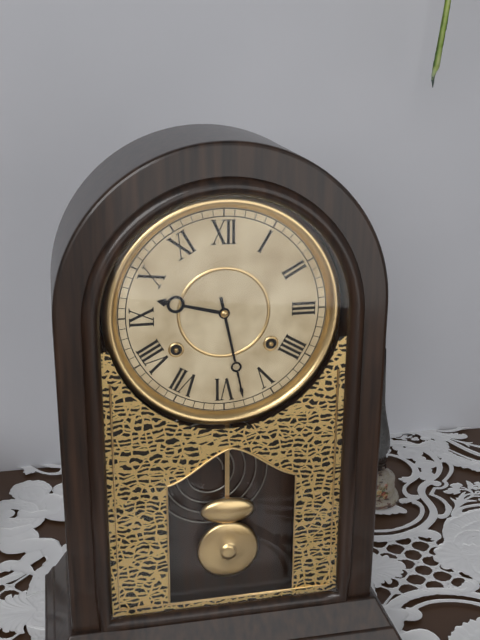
h=9 m=28
